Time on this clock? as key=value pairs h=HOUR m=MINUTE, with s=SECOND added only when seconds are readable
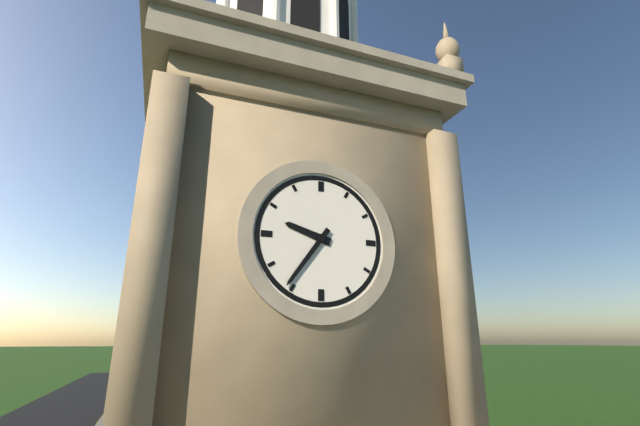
h=9 m=36
